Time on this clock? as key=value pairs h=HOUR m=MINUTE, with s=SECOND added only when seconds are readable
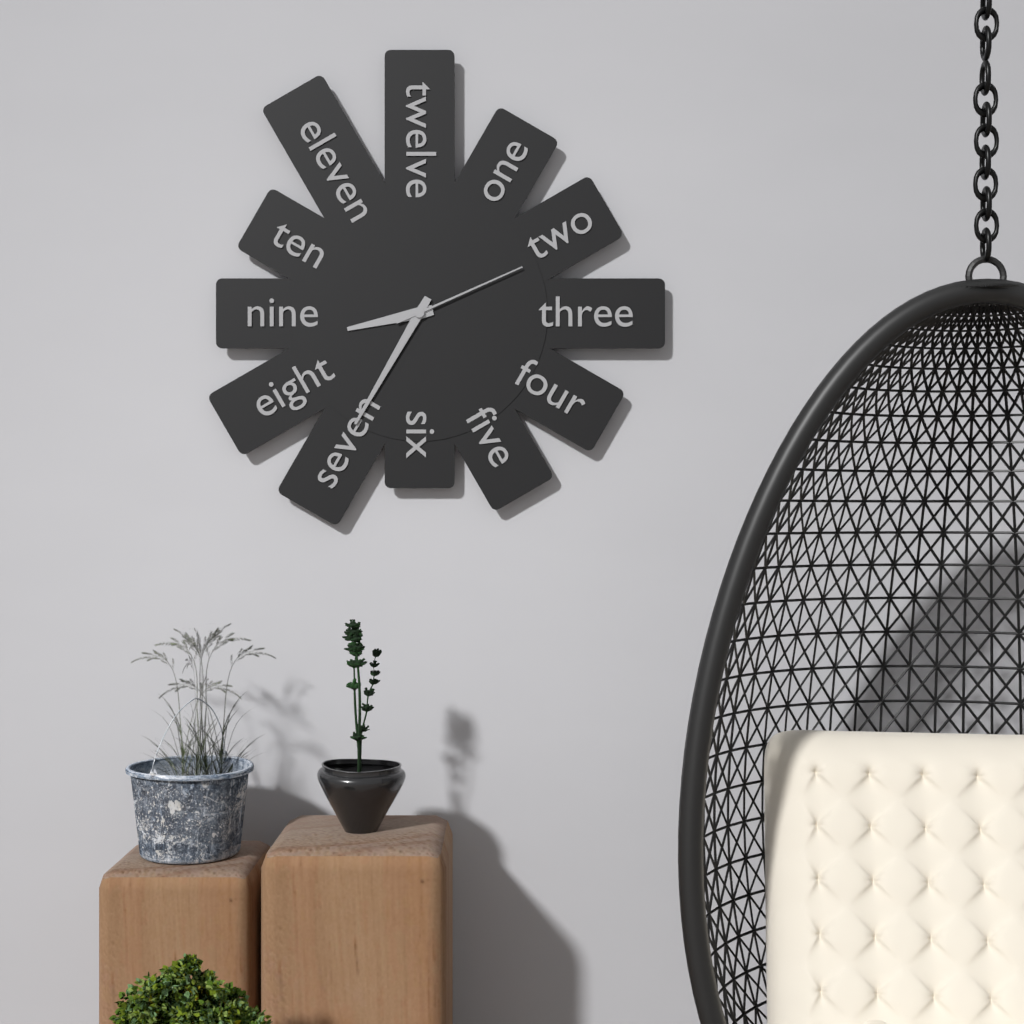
h=8 m=35 s=11
